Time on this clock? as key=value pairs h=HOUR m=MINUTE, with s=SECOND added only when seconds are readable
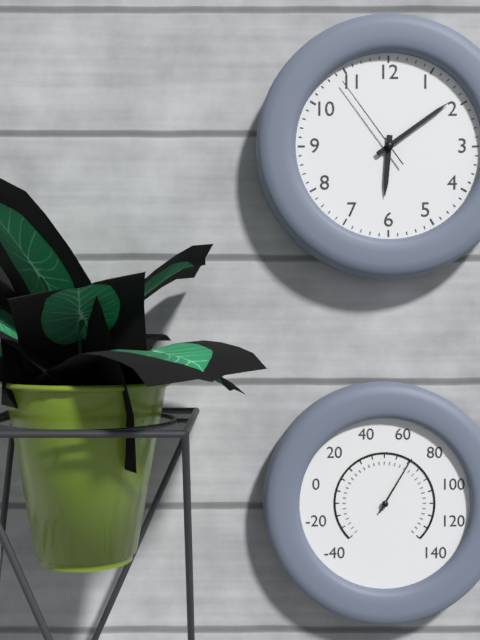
h=6 m=9 s=54
